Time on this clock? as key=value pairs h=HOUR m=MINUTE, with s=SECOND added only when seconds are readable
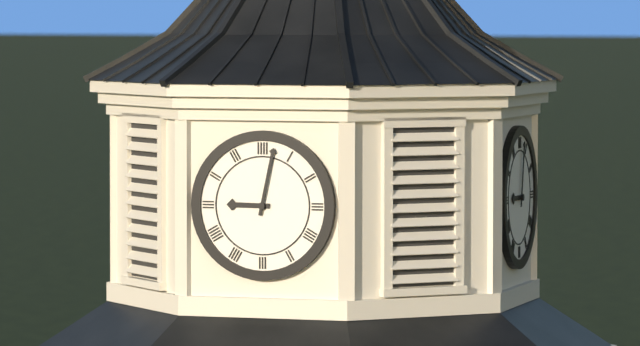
h=9 m=2
